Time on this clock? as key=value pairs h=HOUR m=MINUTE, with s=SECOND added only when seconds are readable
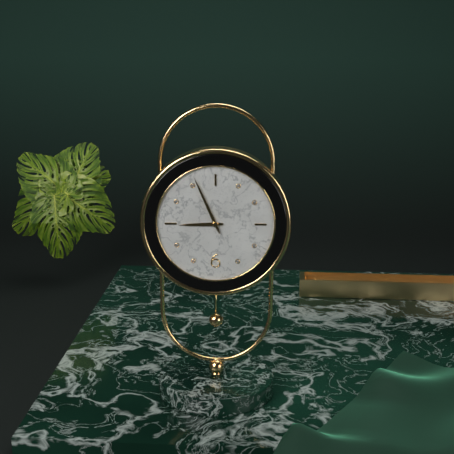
h=8 m=56
